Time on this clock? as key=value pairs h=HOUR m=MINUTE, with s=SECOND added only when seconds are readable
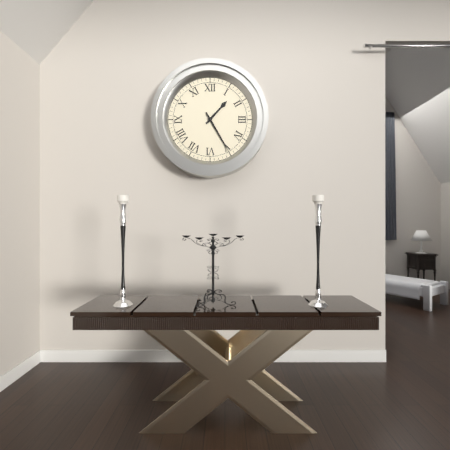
h=1 m=25
